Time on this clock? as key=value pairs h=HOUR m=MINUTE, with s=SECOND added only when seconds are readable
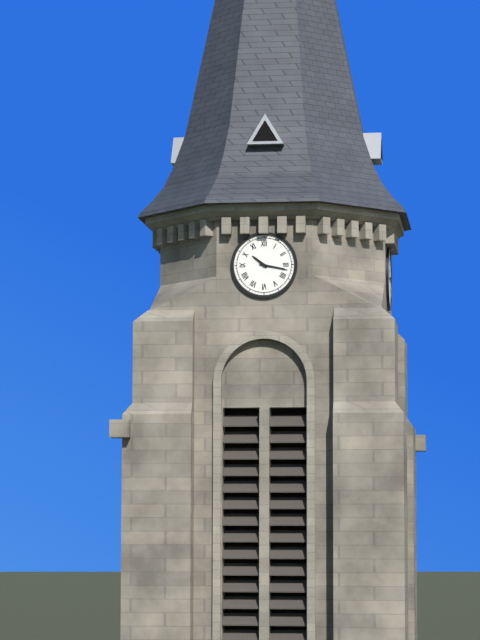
h=10 m=17
